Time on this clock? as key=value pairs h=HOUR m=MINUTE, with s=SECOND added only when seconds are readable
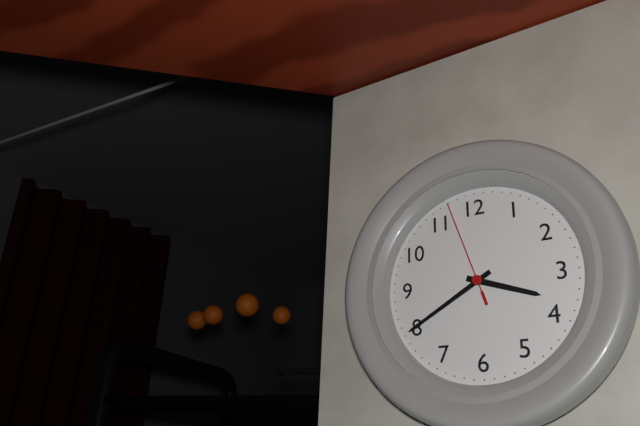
h=3 m=40 s=57
